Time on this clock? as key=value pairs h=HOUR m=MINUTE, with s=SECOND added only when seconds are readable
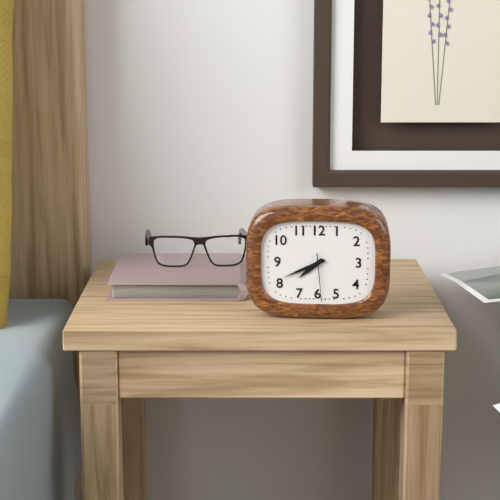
h=7 m=41
